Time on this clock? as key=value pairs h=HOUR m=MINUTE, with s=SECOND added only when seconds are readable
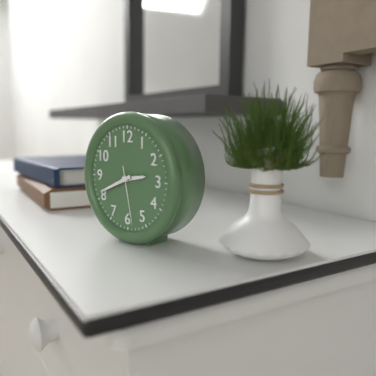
h=2 m=41 s=28
